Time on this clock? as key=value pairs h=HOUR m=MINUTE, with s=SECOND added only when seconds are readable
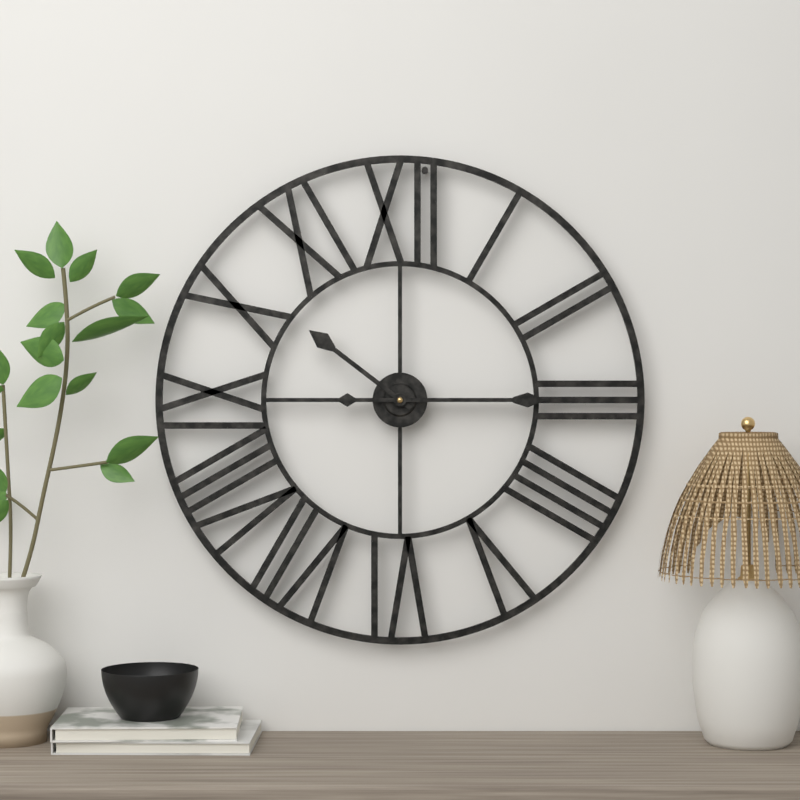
h=10 m=15
